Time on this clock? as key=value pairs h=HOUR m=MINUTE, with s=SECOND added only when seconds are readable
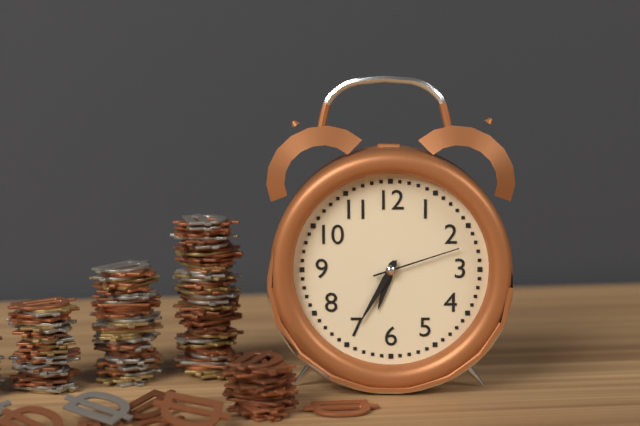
h=6 m=35 s=12
